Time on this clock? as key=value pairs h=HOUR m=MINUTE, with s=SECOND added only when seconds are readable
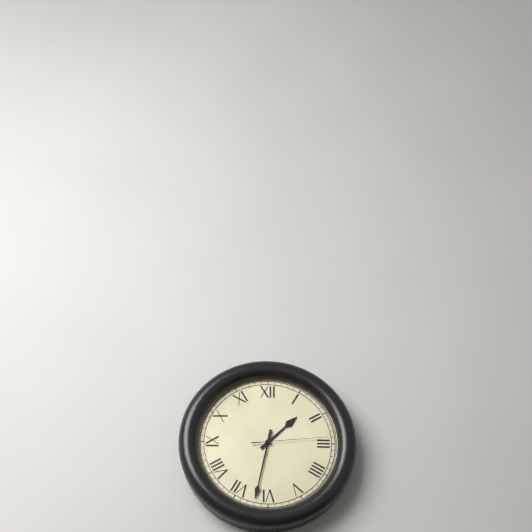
h=1 m=32 s=14
